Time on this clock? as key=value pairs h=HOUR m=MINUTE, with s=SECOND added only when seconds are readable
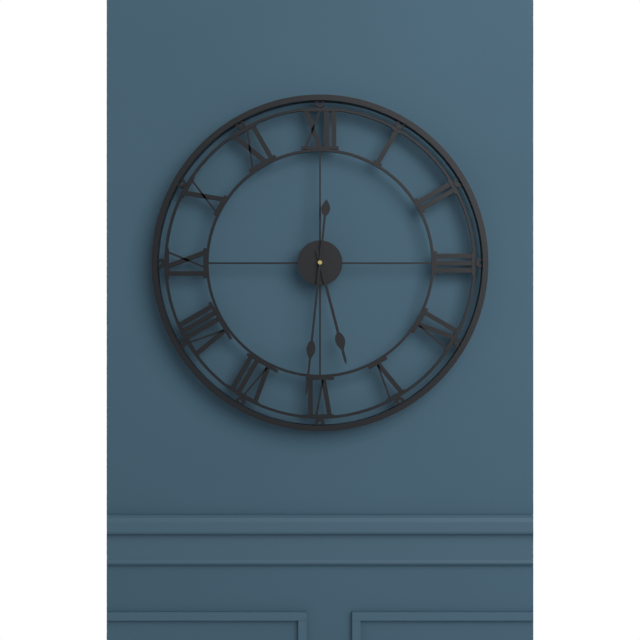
h=5 m=31
